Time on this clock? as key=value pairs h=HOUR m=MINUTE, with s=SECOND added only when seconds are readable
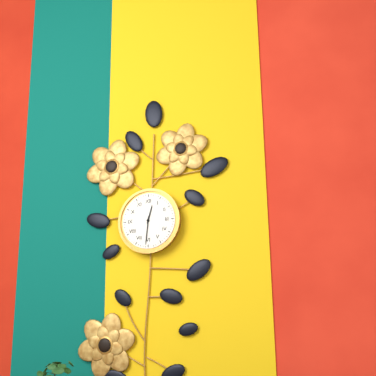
h=12 m=31
